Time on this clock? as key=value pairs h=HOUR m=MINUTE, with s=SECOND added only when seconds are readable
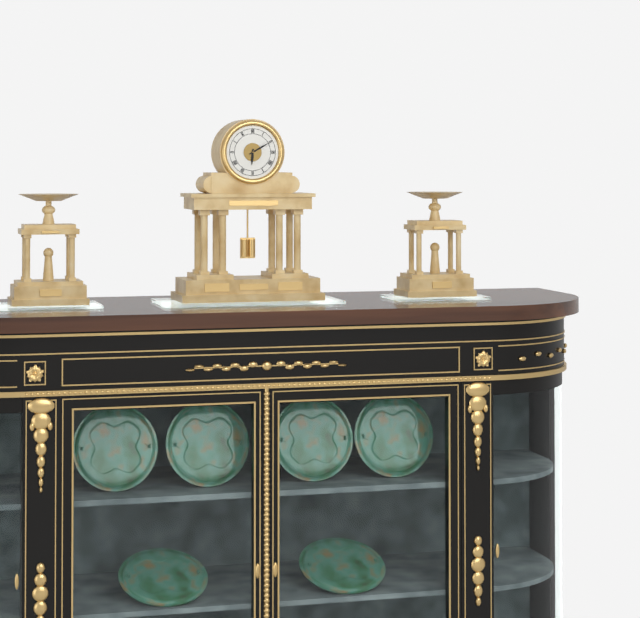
h=6 m=10
